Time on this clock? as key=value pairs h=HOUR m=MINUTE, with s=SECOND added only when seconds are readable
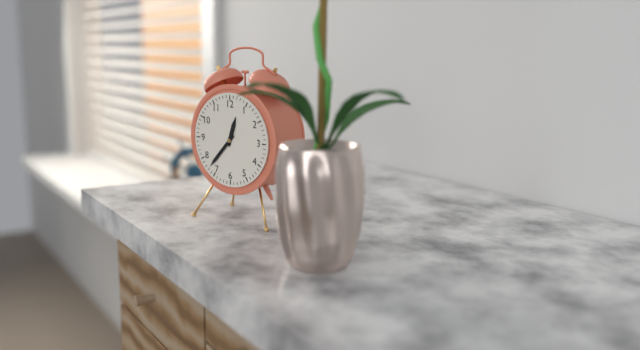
h=12 m=37
